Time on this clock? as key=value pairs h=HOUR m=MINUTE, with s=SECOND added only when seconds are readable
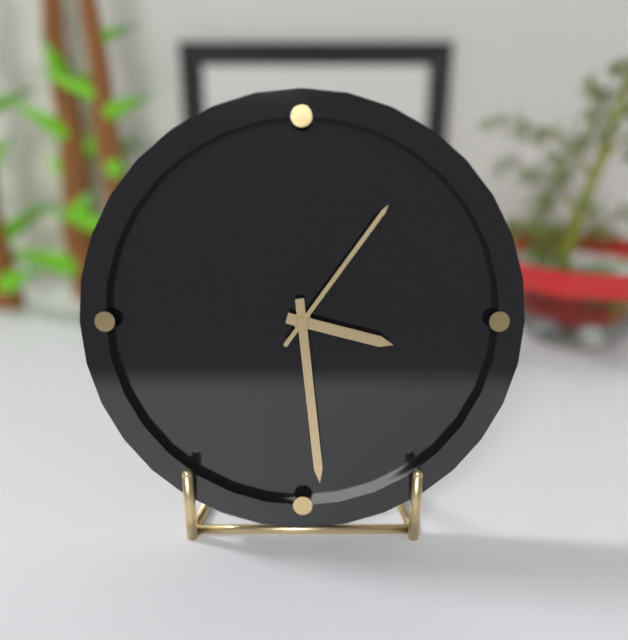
h=3 m=29 s=6
